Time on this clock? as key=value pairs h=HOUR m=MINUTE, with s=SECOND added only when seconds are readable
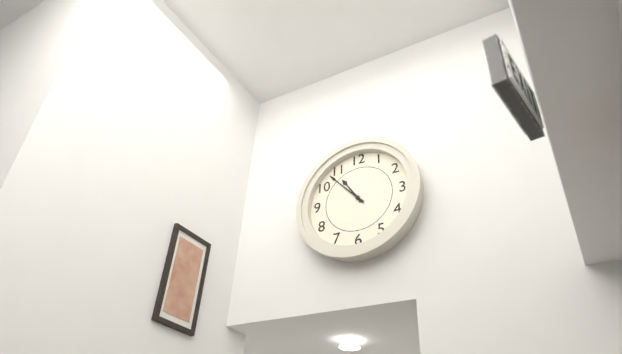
h=10 m=53
